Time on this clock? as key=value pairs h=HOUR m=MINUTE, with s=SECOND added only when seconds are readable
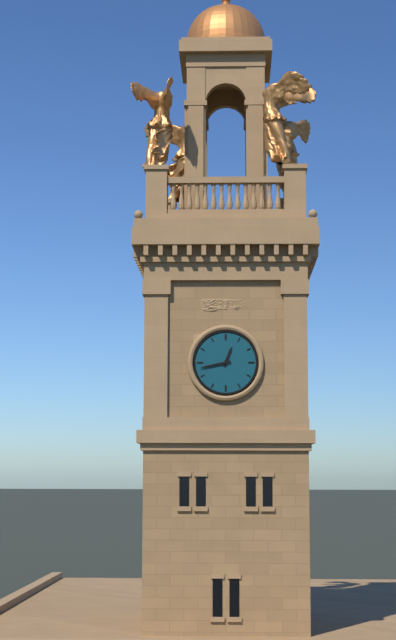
h=12 m=43
